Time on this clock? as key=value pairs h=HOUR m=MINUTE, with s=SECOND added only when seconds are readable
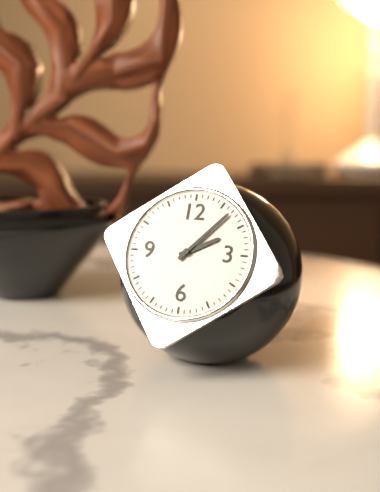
h=2 m=7
